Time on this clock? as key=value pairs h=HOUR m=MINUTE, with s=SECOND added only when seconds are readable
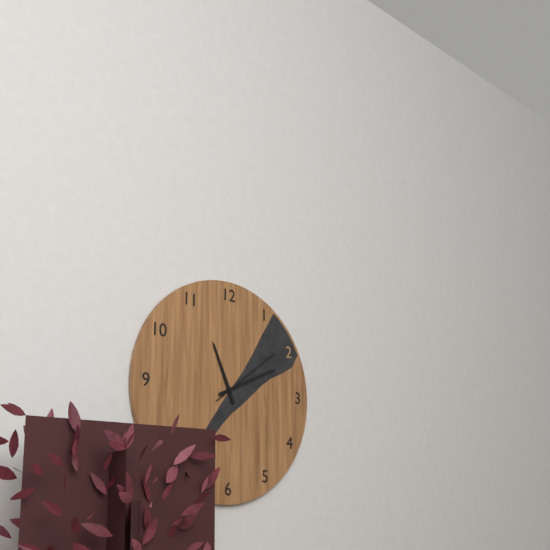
h=11 m=11 s=9
